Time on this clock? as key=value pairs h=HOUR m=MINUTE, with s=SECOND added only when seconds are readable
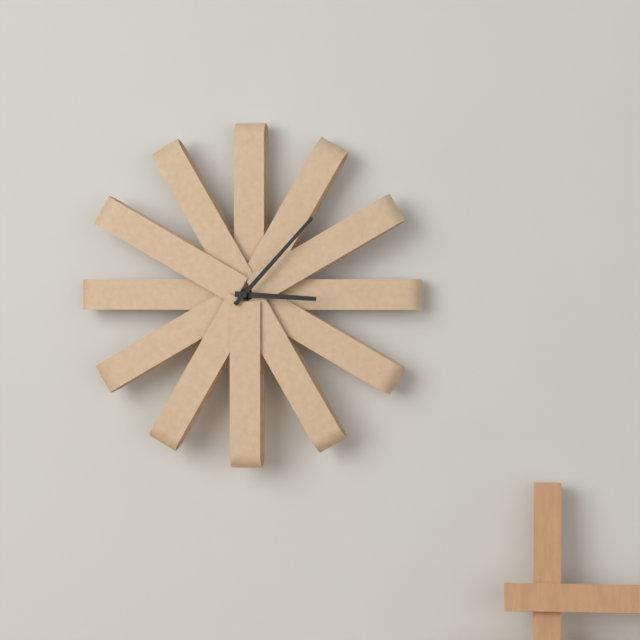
h=3 m=7
